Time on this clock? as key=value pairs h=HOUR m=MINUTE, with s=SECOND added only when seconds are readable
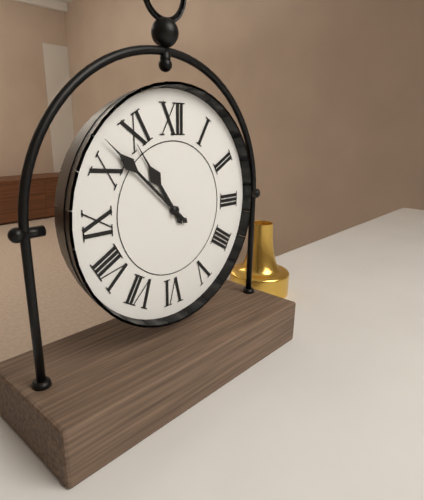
h=10 m=52
